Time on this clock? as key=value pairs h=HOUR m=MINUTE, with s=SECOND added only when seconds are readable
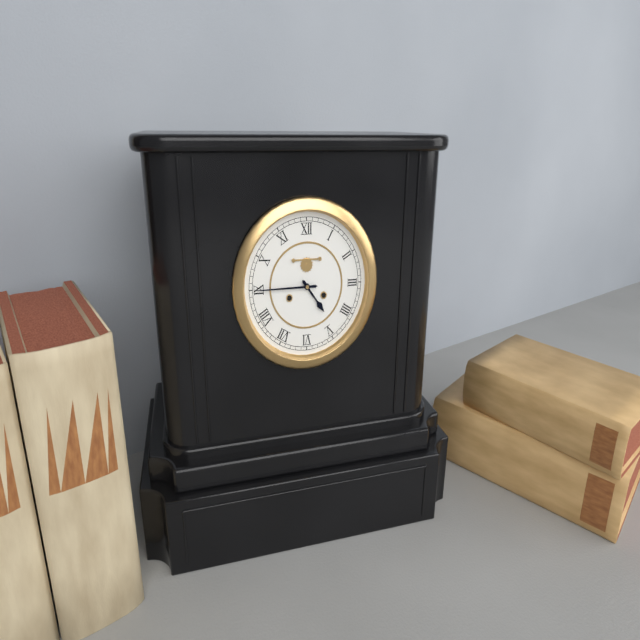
h=4 m=45
